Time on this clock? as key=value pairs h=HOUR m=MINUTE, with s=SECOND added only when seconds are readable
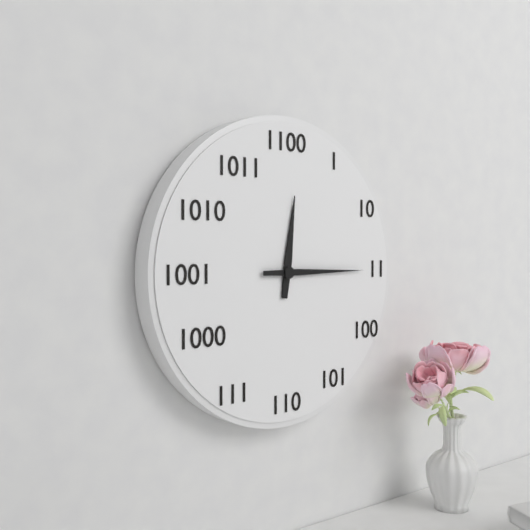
h=12 m=15
